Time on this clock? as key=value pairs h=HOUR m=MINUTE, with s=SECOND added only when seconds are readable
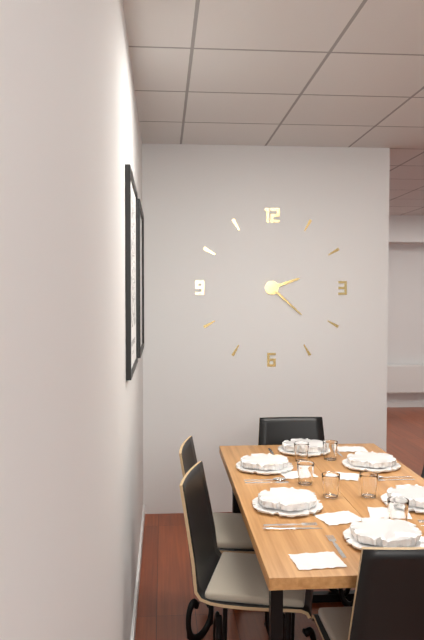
h=2 m=22
